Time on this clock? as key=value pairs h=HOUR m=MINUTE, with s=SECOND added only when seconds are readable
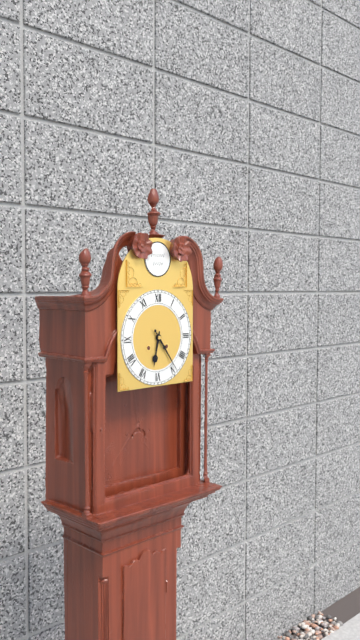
h=6 m=24
